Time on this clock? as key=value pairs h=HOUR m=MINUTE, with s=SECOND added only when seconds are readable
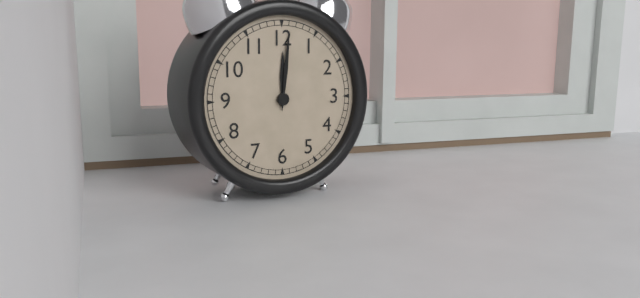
h=12 m=1
